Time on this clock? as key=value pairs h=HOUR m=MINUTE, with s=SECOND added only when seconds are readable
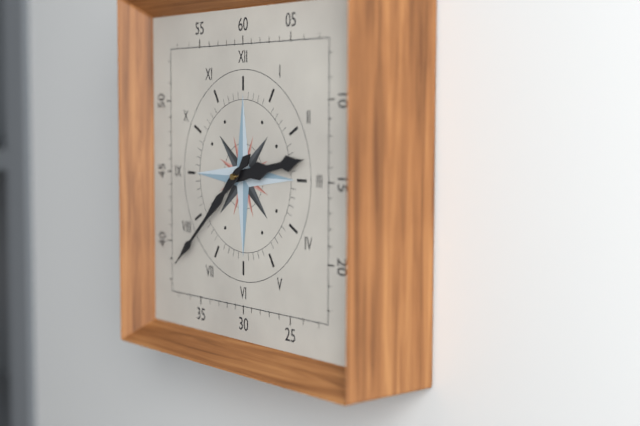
h=2 m=38
